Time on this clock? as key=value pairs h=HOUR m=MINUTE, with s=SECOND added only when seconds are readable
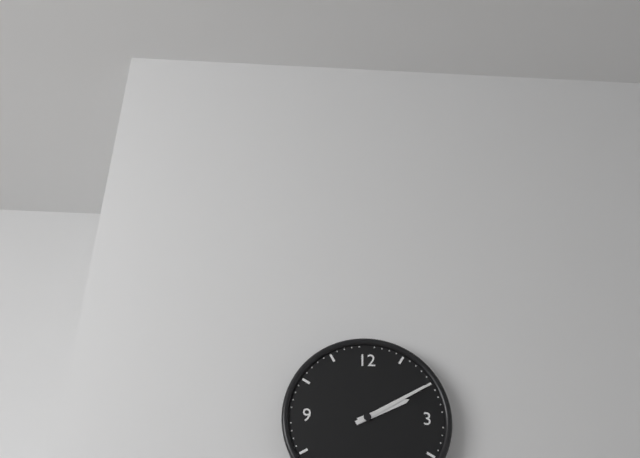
h=2 m=10
